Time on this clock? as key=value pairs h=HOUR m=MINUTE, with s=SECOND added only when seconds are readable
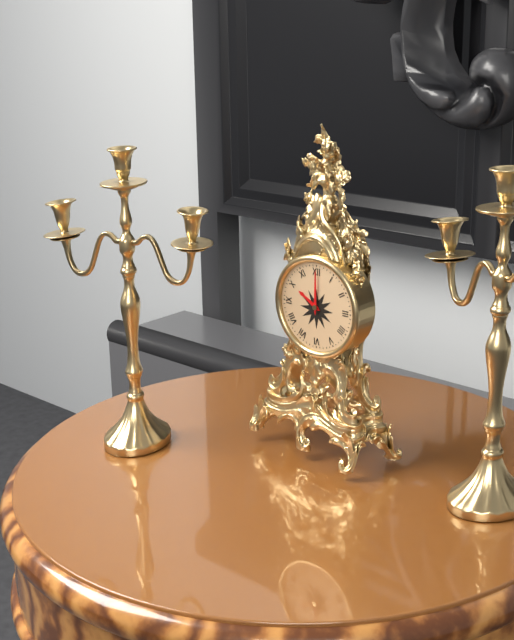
h=10 m=0
